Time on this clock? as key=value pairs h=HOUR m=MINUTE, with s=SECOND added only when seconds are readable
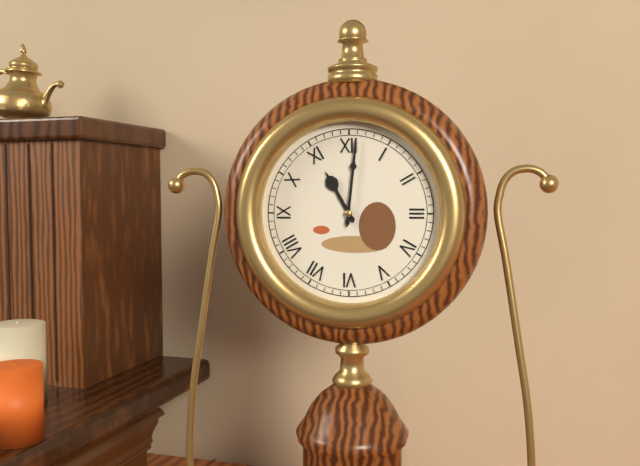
h=11 m=1
